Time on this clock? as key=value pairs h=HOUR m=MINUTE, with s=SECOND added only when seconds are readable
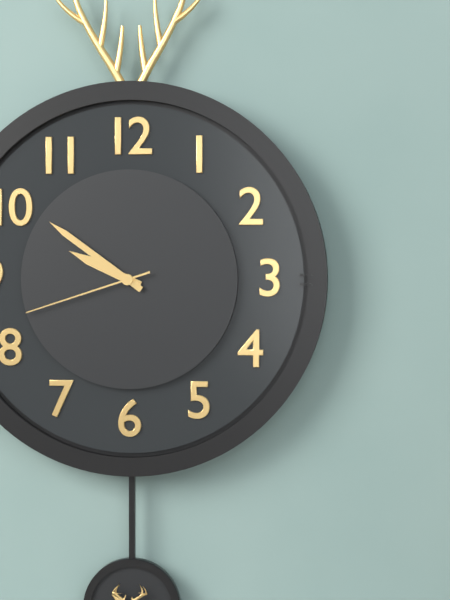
h=9 m=51 s=42
